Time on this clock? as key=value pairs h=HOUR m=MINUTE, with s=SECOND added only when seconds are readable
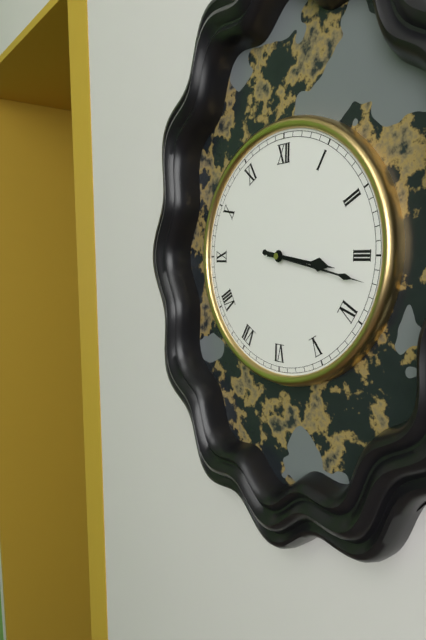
h=3 m=17
